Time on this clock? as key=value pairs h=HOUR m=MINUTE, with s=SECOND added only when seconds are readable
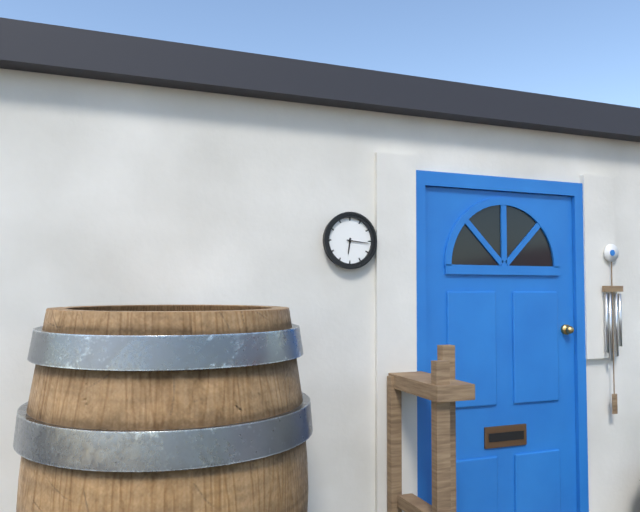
h=6 m=16
